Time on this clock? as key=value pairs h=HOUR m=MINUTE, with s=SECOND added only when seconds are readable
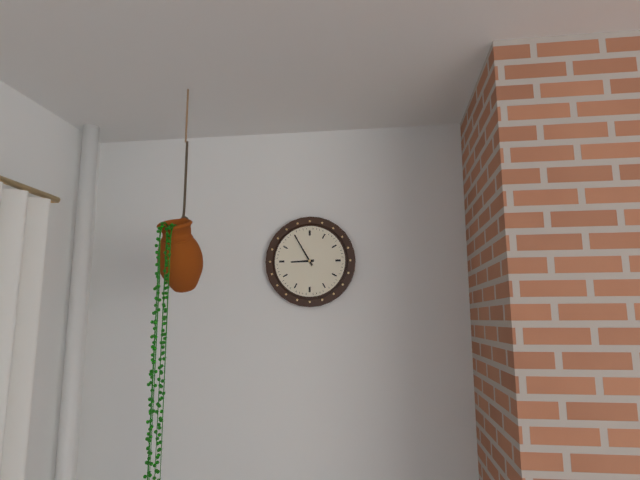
h=8 m=55
